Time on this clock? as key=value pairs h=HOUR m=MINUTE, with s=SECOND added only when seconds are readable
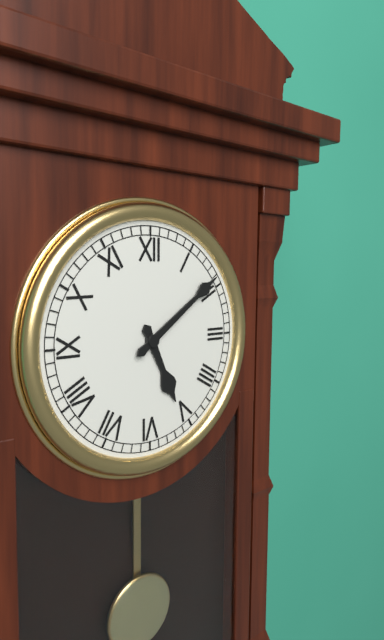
h=5 m=9
